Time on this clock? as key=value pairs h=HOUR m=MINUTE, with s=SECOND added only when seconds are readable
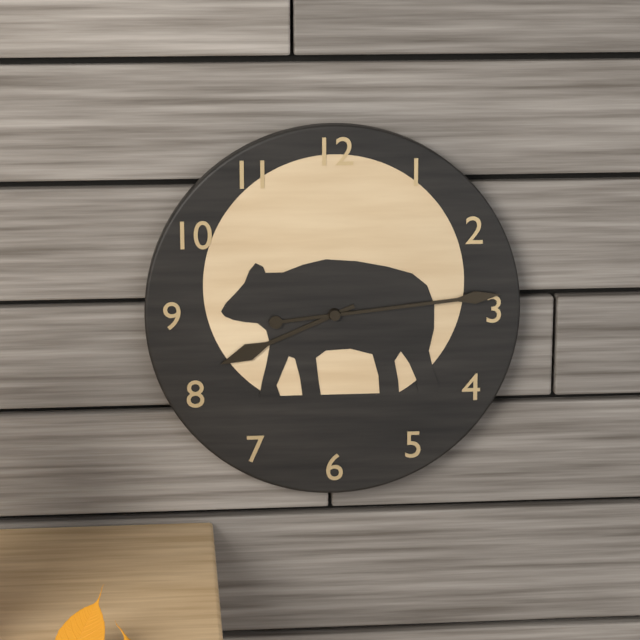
h=8 m=14
